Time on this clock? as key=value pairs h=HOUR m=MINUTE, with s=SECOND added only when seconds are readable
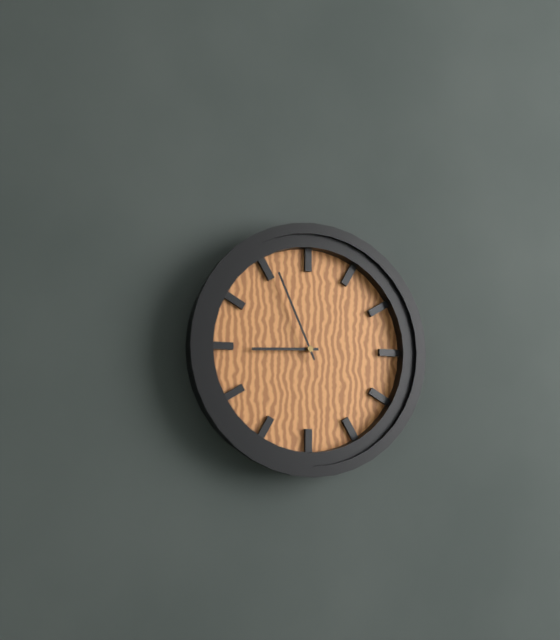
h=8 m=56
